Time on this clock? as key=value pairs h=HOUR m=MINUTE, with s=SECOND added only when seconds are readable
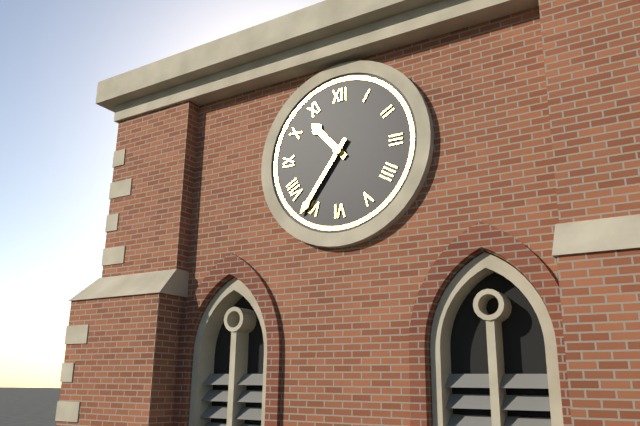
h=10 m=36
